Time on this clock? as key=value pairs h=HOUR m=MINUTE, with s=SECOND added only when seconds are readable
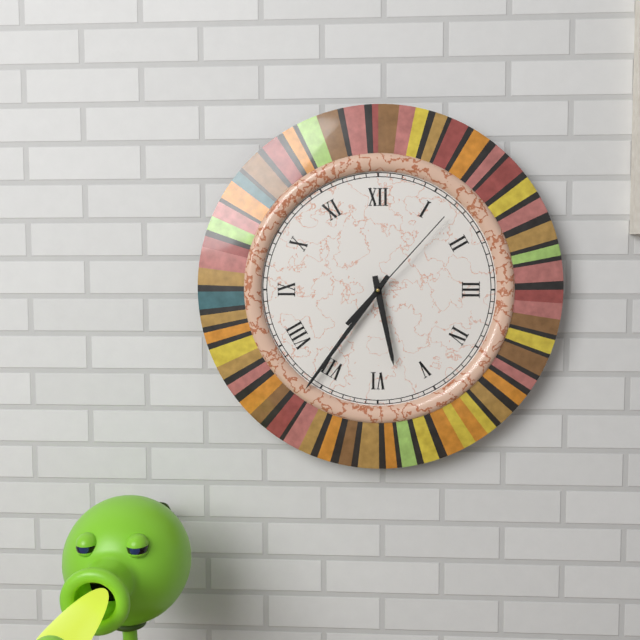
h=5 m=36 s=7
